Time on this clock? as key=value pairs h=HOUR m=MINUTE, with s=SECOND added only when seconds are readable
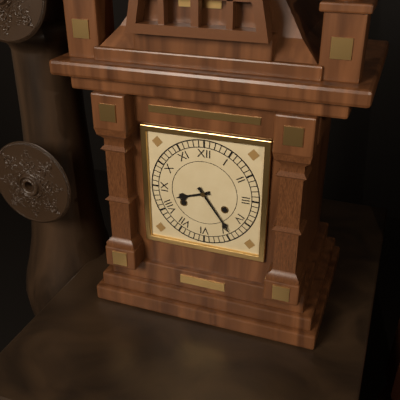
h=8 m=24
